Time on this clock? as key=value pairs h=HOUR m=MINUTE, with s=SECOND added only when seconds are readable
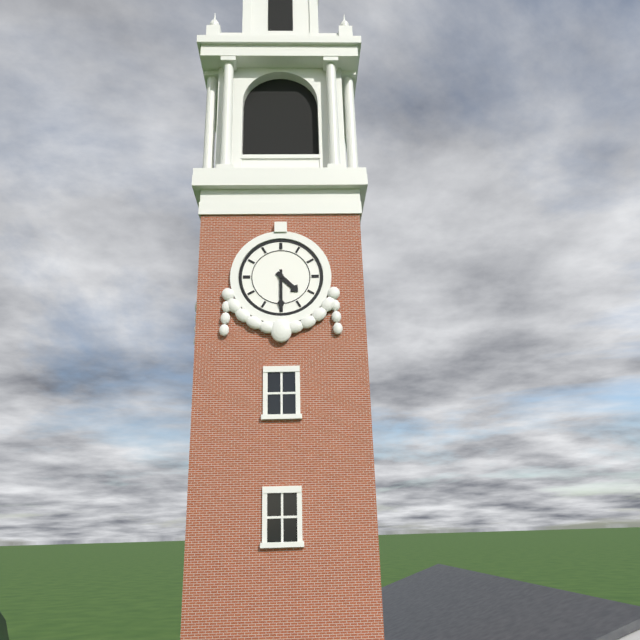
h=4 m=30
